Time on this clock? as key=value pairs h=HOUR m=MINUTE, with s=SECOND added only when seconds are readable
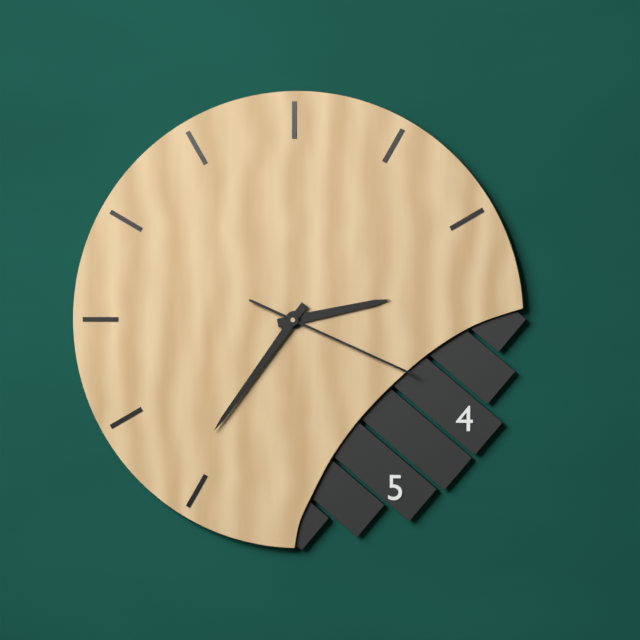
h=2 m=36 s=19
